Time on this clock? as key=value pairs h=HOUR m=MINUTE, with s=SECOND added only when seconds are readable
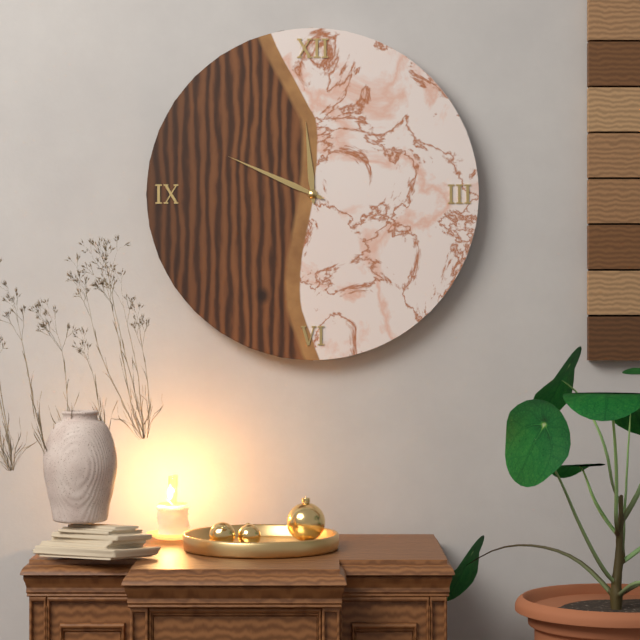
h=11 m=49
